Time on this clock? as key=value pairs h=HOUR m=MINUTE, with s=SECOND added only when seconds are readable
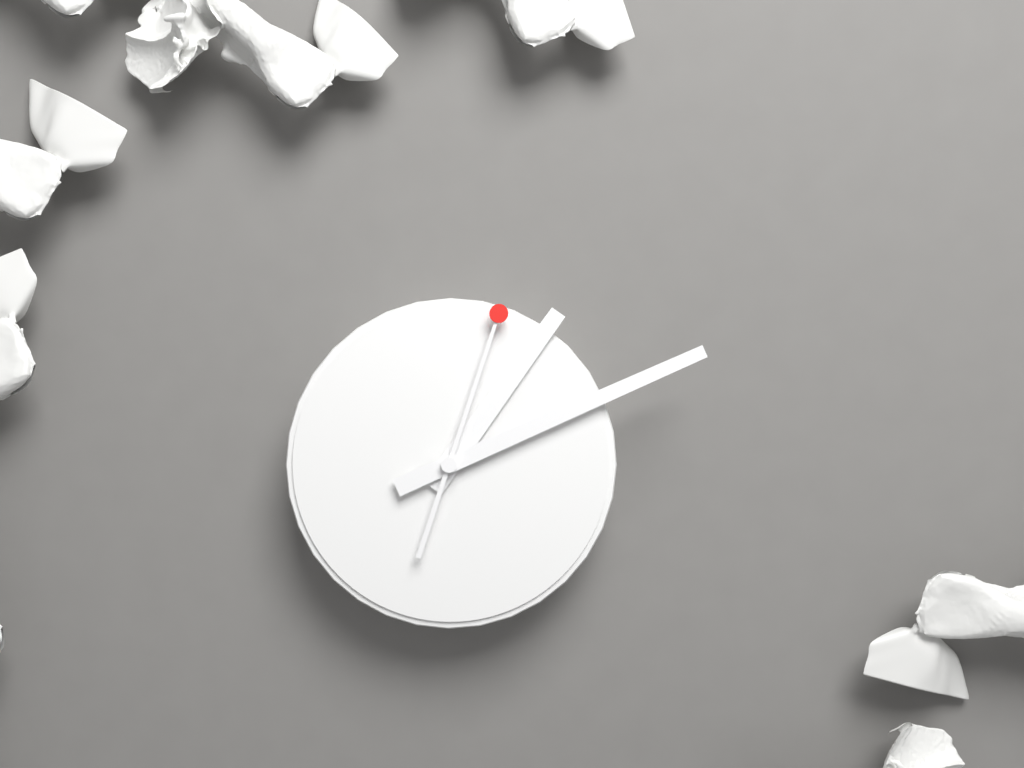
h=1 m=11 s=3
